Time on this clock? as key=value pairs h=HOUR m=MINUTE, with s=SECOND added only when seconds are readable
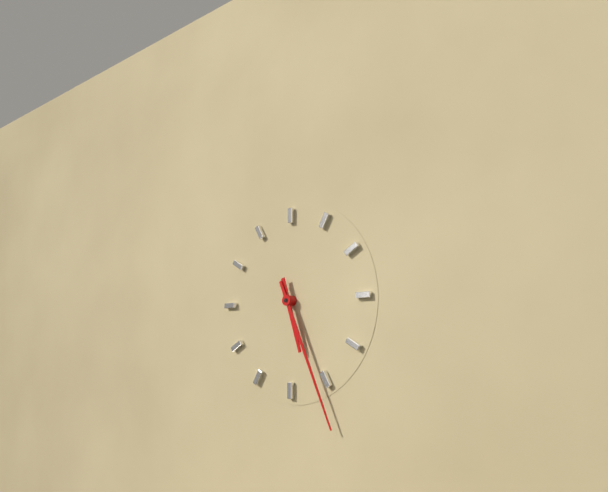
h=5 m=26
